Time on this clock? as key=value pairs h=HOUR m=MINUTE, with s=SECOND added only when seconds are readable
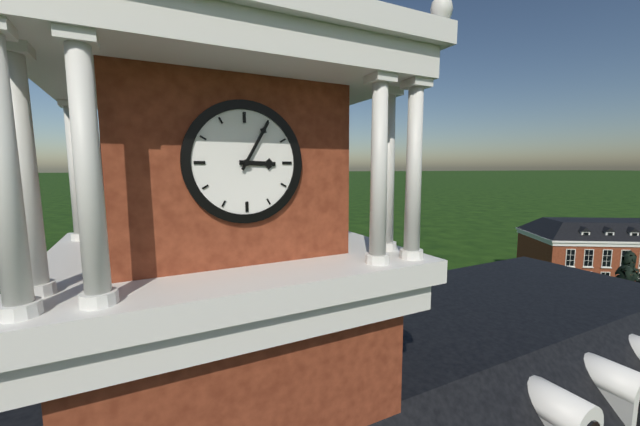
h=3 m=5
